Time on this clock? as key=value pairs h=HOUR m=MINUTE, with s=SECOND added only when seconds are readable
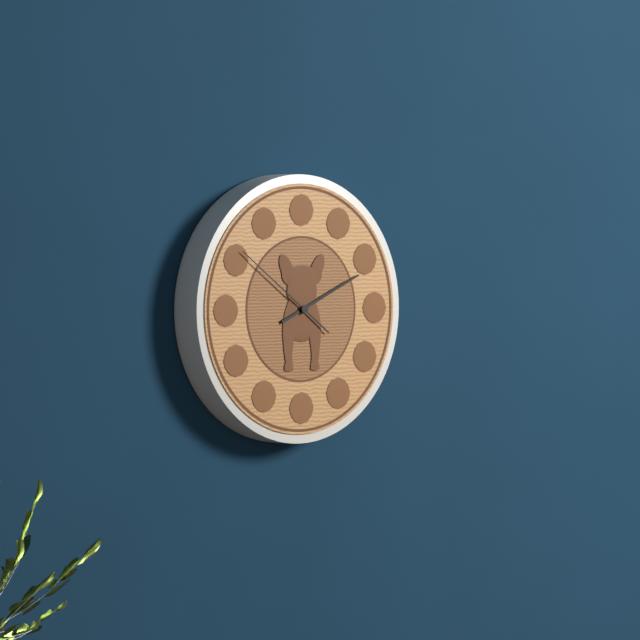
h=2 m=11 s=51
